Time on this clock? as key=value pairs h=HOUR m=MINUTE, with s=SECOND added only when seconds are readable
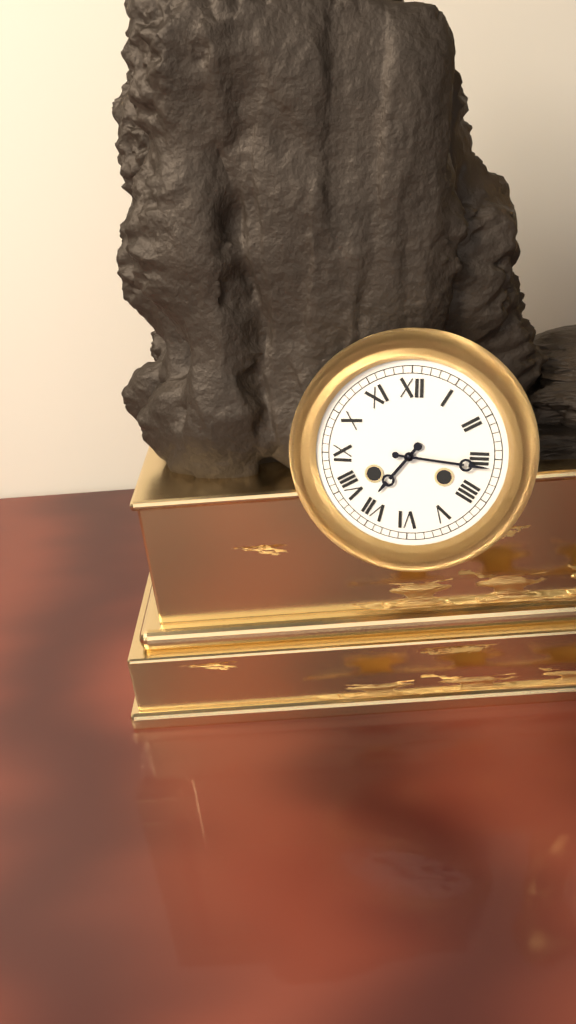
h=7 m=16
